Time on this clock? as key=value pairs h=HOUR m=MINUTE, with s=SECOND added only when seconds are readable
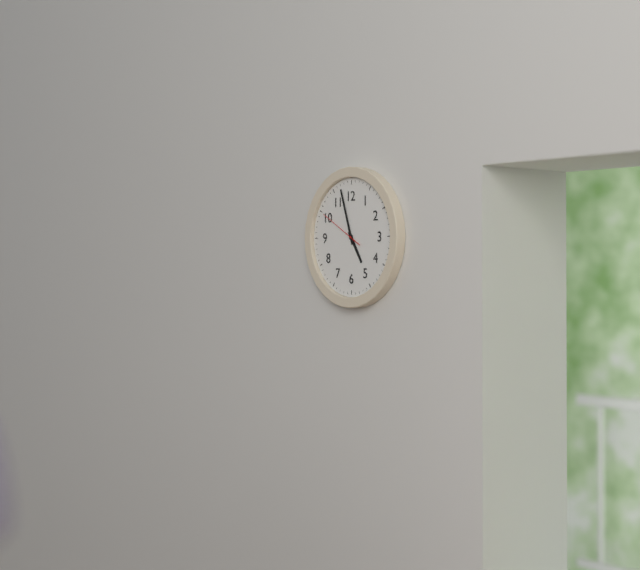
h=4 m=57
